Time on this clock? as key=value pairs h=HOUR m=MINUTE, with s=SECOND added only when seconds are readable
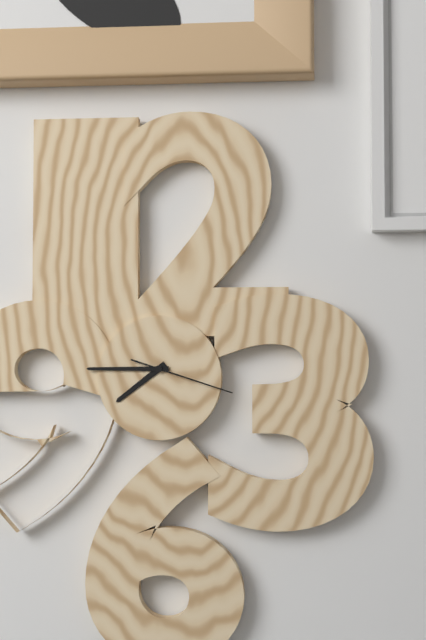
h=7 m=45 s=18
